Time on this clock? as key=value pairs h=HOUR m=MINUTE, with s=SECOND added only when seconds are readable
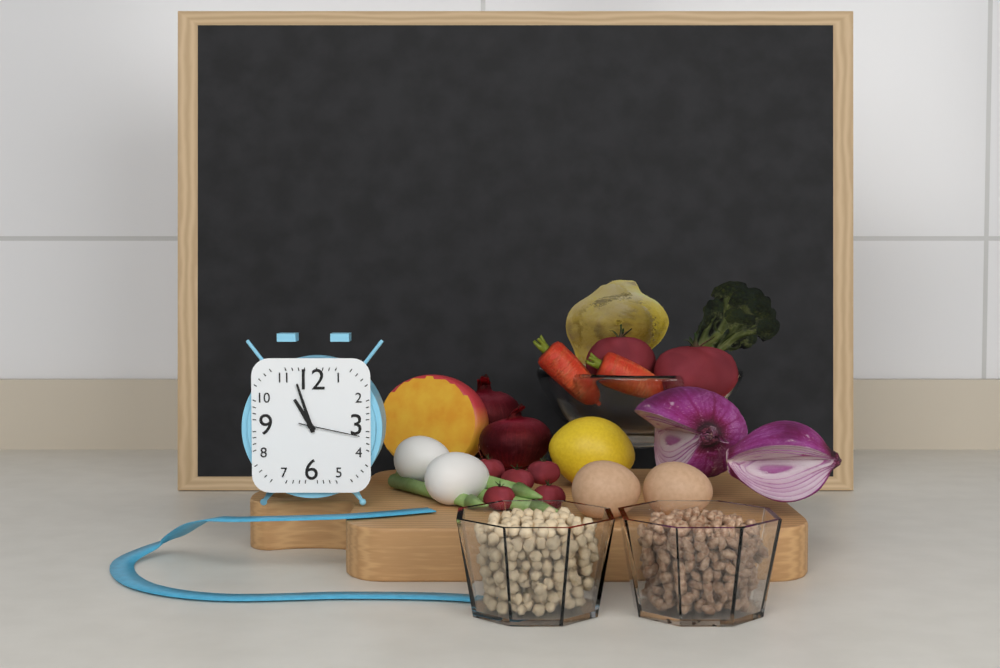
h=10 m=57 s=17
